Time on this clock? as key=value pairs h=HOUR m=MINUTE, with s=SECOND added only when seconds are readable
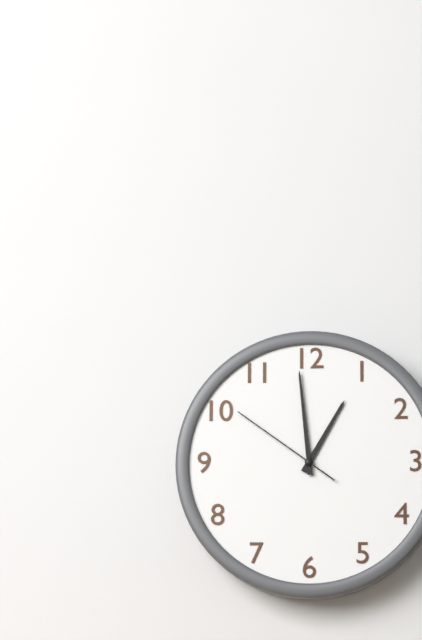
h=12 m=59 s=51
